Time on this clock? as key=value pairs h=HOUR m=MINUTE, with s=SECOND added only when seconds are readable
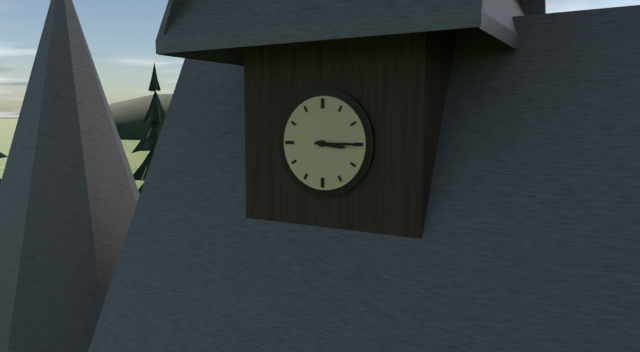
h=3 m=15
